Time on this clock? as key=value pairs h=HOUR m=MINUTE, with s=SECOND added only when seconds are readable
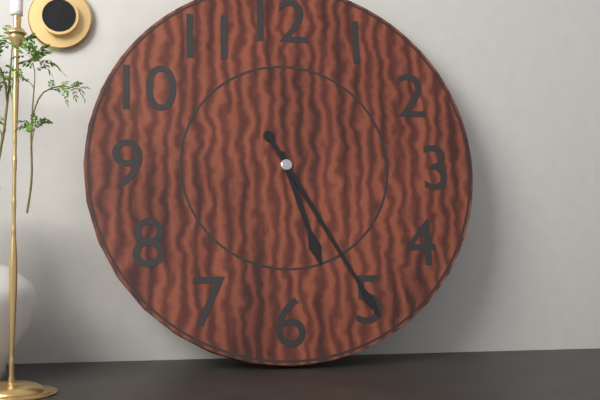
h=5 m=25
